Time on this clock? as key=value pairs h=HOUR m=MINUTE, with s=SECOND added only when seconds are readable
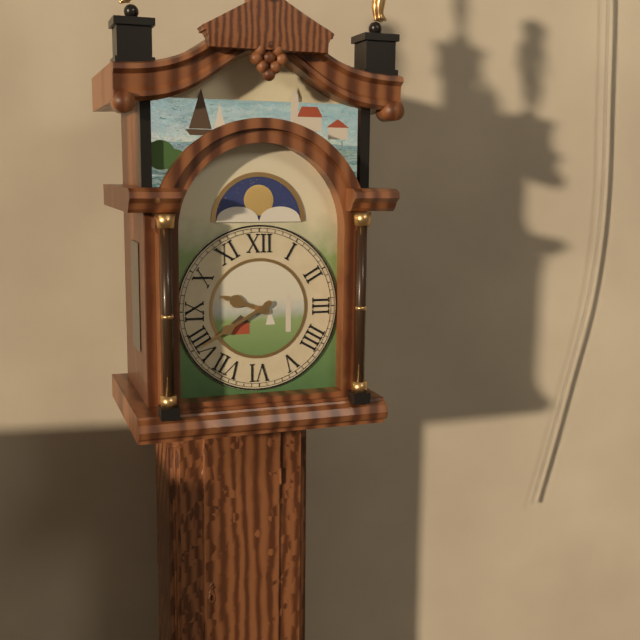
h=9 m=40
